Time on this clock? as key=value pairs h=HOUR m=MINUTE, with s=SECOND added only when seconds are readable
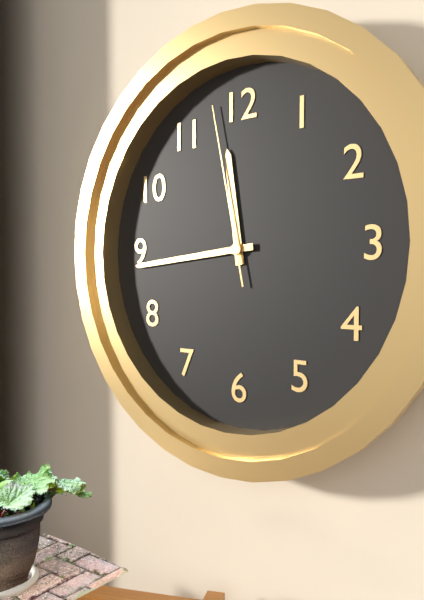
h=11 m=44 s=58
